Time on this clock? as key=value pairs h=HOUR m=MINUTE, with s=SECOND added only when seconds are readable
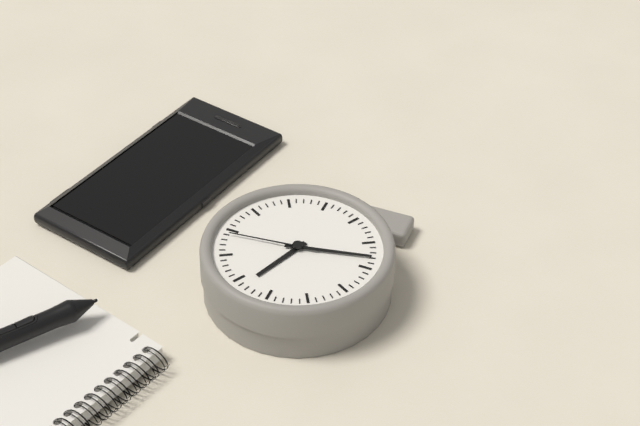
h=12 m=43 s=14
